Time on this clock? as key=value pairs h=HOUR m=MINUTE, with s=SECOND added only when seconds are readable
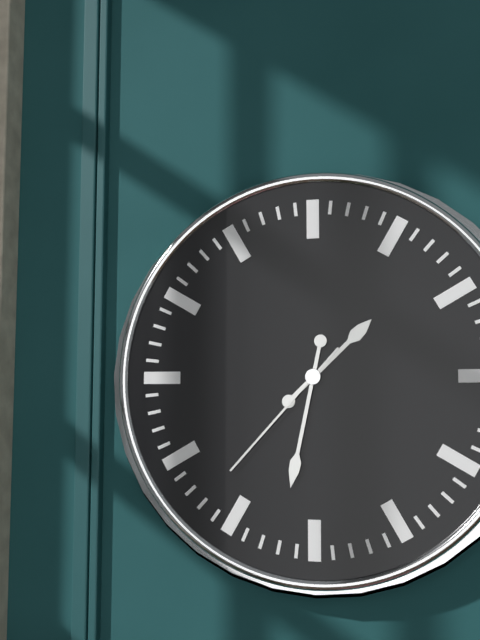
h=1 m=32 s=37
